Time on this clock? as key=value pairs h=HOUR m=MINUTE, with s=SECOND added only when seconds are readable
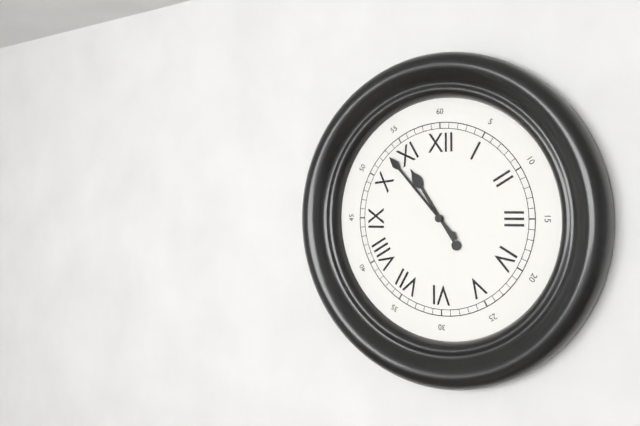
h=10 m=53
